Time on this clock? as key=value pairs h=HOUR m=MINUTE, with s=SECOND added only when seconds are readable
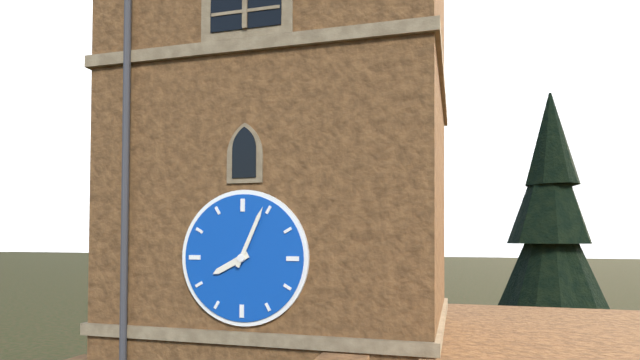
h=8 m=4
